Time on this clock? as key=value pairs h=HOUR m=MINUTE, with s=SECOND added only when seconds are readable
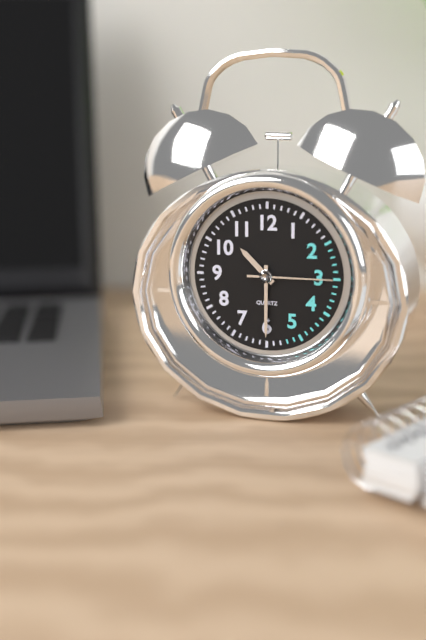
h=10 m=30 s=15
